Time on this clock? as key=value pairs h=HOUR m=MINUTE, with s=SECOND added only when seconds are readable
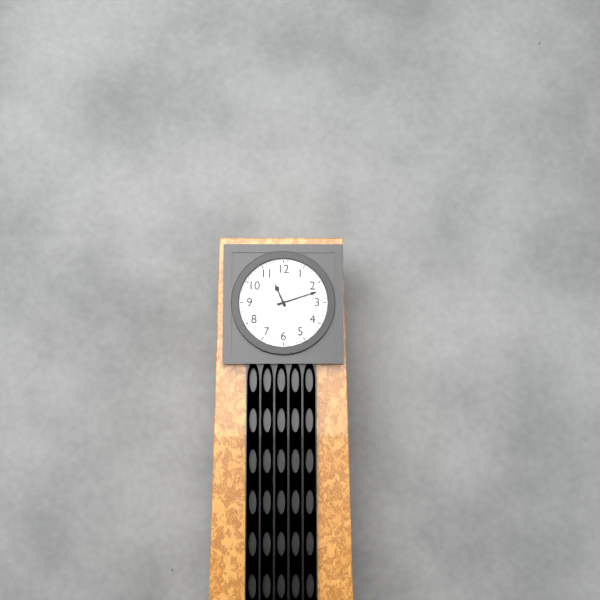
h=11 m=12
